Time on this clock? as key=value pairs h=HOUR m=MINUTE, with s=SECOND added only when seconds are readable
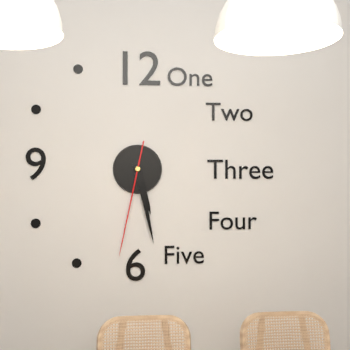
h=5 m=28 s=32
